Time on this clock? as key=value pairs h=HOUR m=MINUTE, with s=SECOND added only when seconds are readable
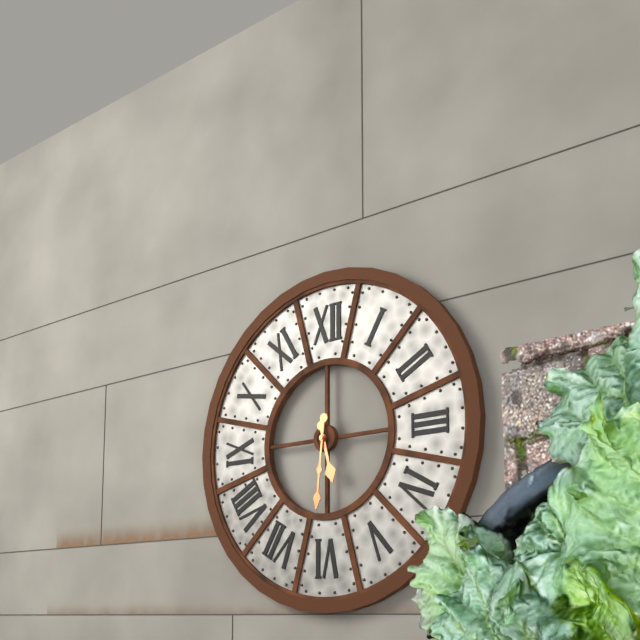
h=5 m=31
